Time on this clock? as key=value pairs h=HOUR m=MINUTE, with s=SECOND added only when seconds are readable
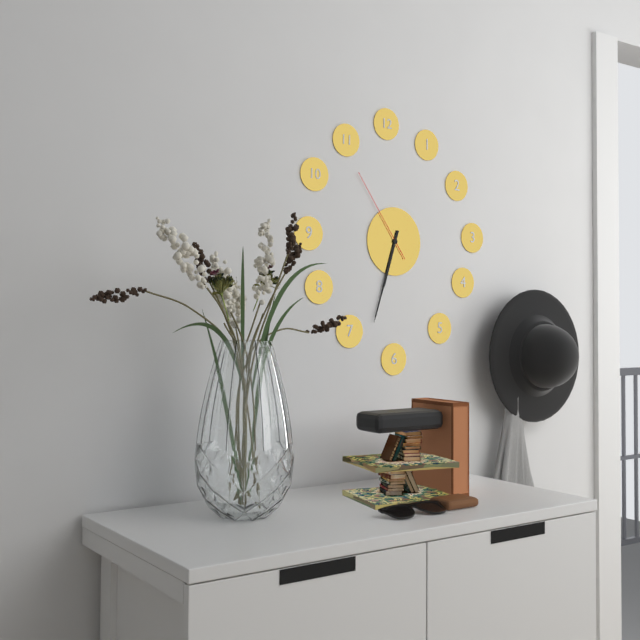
h=6 m=33 s=54
